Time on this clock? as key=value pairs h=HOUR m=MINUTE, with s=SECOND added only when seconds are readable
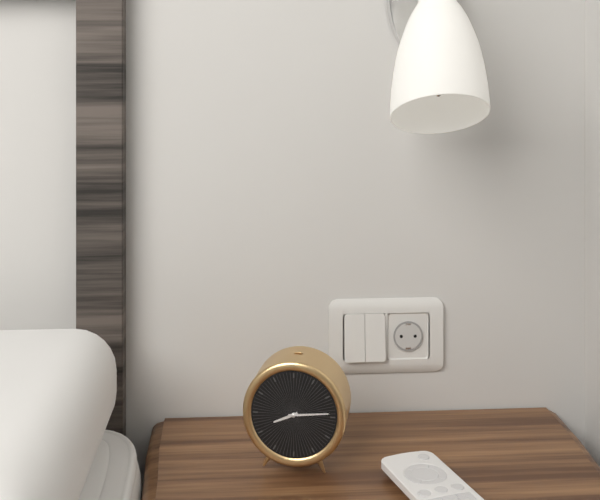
h=8 m=14
